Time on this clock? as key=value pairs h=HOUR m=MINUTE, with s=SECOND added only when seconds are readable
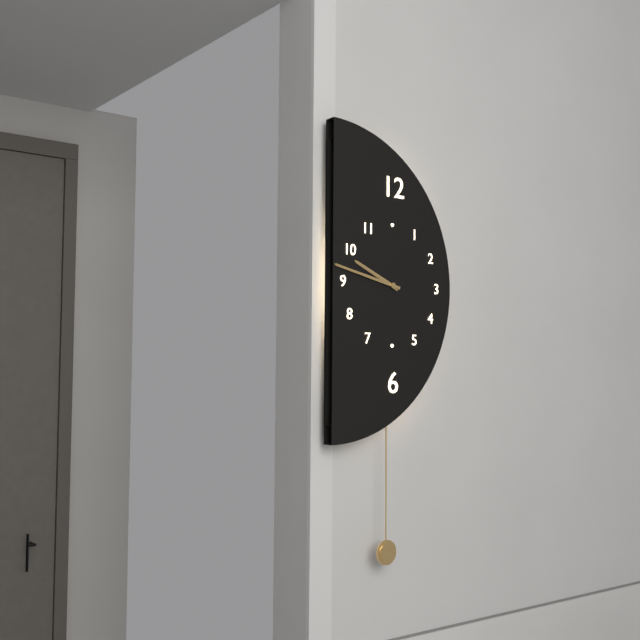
h=9 m=47
